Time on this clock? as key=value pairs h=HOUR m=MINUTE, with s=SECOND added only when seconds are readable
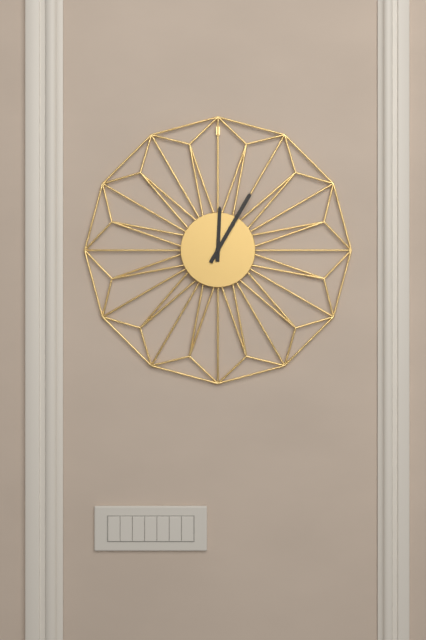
h=12 m=5
